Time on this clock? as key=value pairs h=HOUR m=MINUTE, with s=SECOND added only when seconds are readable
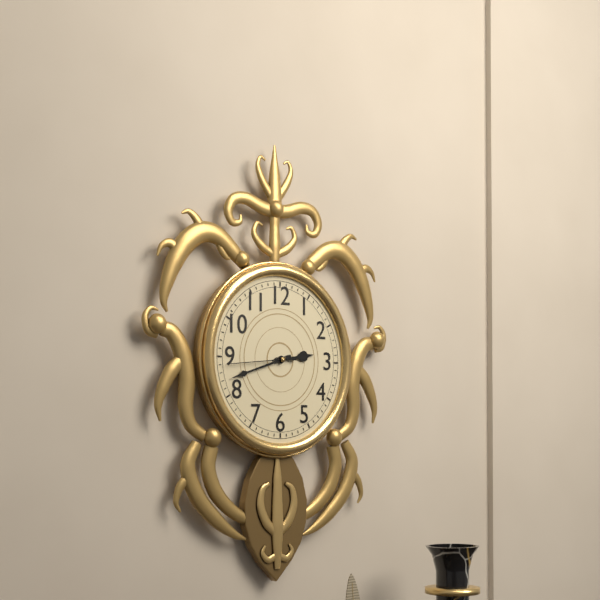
h=2 m=42 s=44
